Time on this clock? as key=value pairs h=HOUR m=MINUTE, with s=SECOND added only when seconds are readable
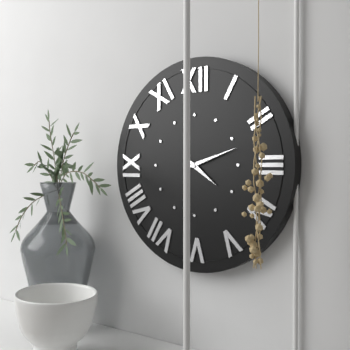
h=4 m=12
